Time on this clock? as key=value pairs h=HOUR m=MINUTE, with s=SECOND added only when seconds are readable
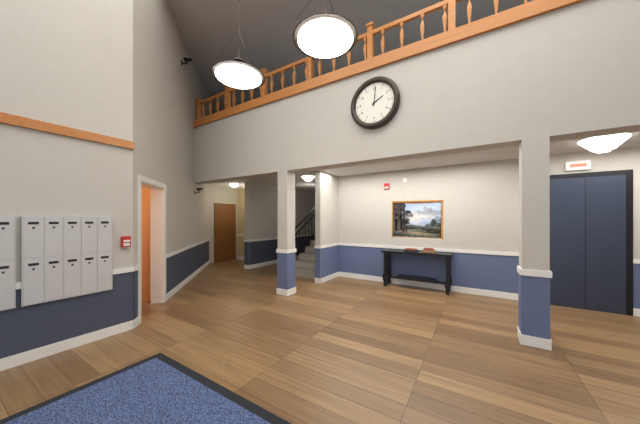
h=2 m=1
